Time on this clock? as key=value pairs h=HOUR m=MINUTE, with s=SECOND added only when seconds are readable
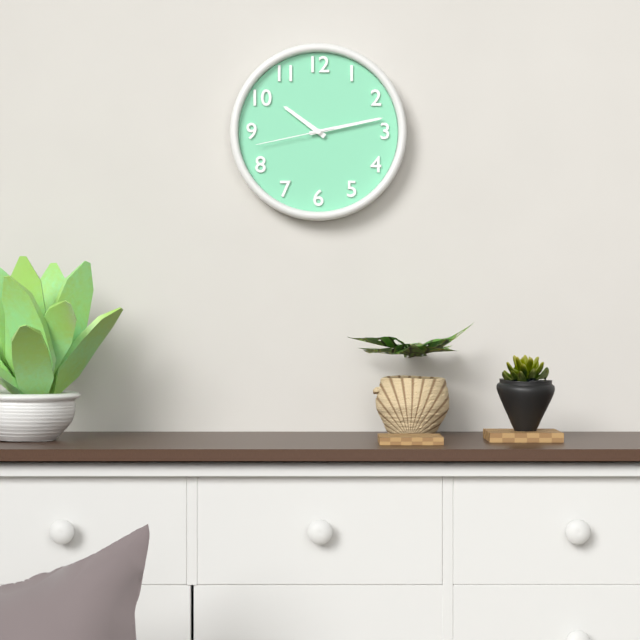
h=10 m=13 s=43
